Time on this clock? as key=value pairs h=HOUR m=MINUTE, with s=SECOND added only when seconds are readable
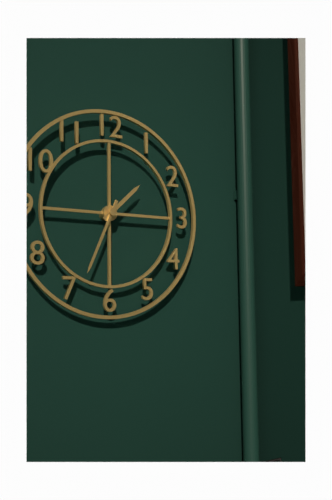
h=1 m=34
